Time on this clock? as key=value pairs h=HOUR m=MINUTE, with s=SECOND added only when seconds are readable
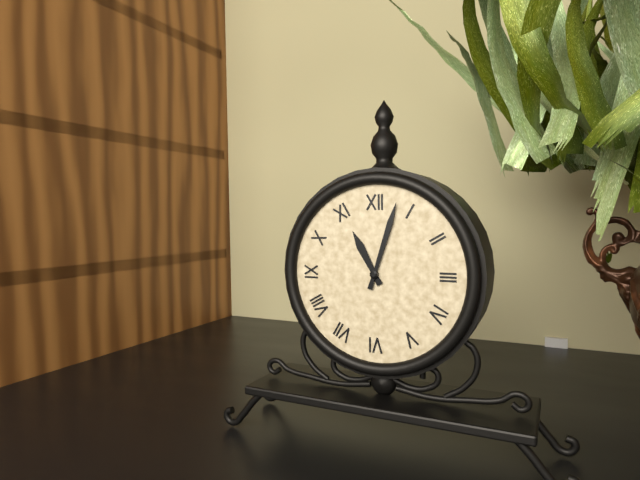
h=11 m=3
